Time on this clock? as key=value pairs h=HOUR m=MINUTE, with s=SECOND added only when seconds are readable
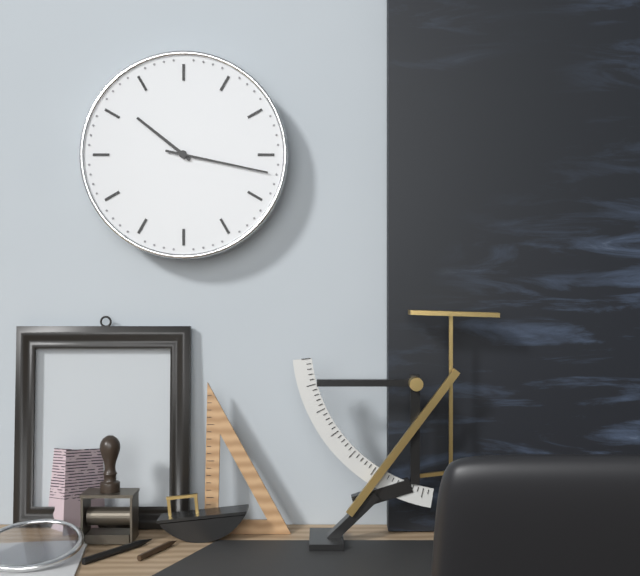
h=10 m=17
